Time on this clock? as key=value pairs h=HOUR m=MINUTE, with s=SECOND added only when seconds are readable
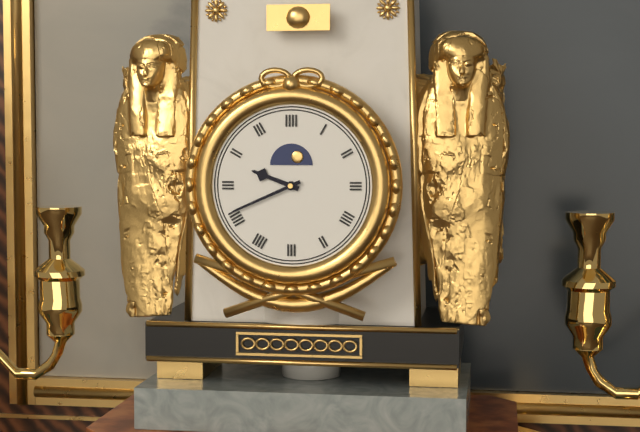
h=9 m=41
